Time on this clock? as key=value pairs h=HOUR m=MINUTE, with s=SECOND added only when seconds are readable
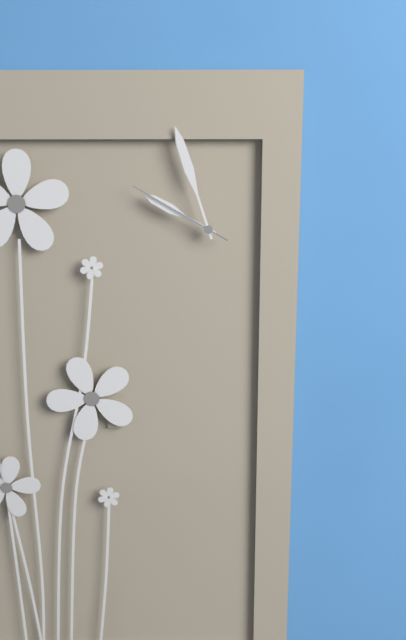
h=9 m=57 s=50
